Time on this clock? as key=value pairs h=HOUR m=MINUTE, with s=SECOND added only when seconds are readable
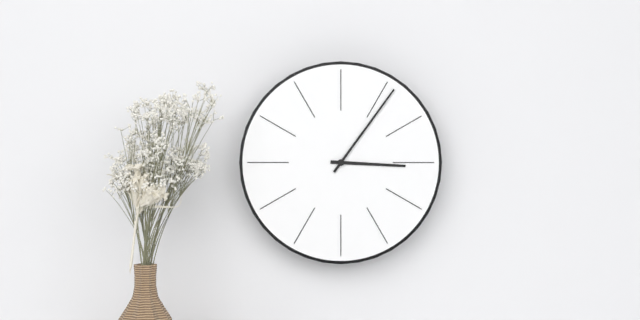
h=3 m=6
